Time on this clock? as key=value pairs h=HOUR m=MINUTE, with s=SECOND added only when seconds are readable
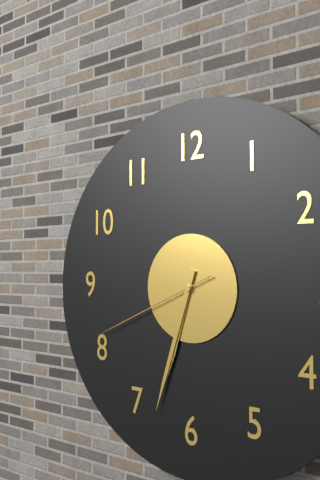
h=6 m=33 s=41
